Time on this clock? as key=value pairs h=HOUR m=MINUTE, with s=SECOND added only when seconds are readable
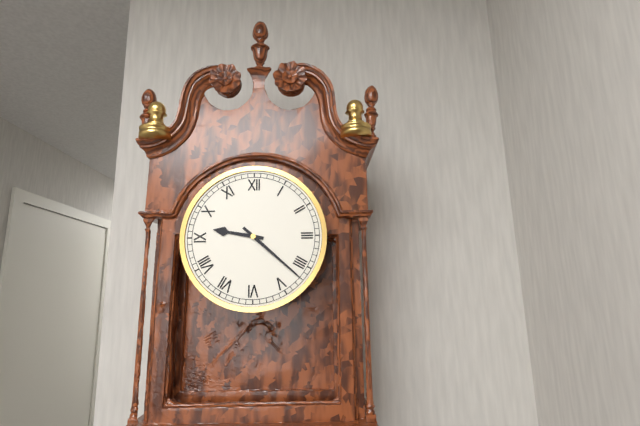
h=9 m=22
